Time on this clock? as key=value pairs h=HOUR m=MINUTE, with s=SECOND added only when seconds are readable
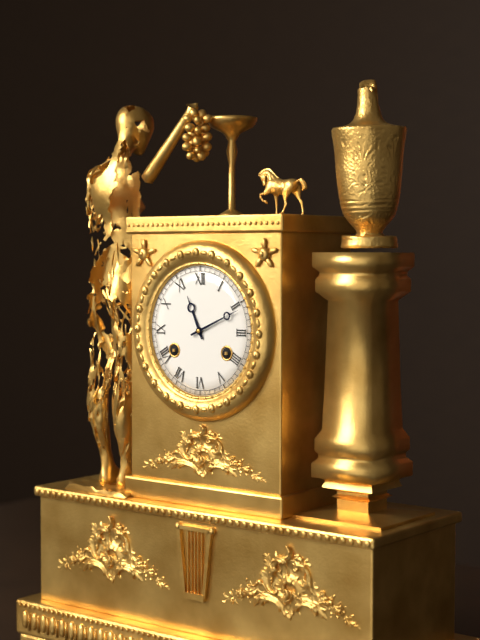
h=11 m=11
